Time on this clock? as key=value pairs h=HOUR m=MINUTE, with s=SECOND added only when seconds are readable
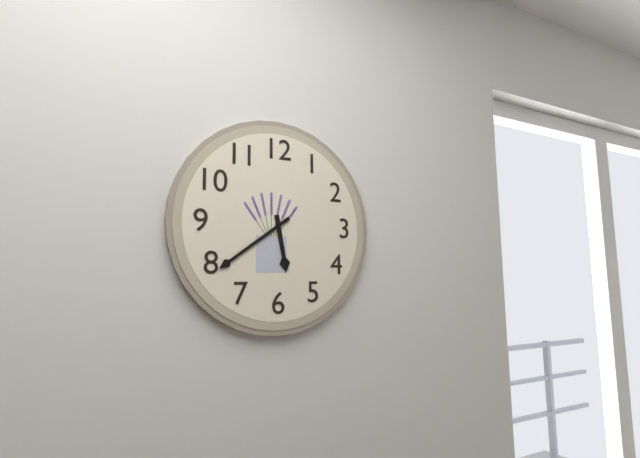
h=5 m=39
